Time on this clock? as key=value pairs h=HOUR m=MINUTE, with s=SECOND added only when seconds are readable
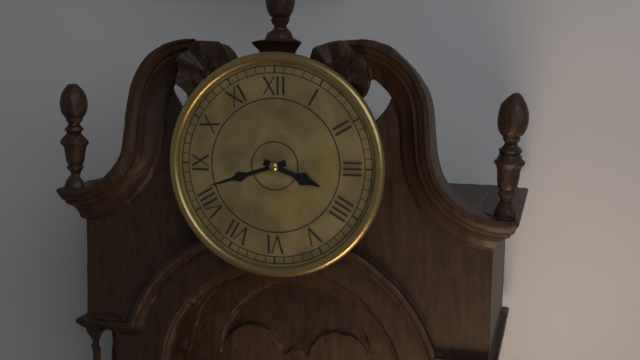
h=3 m=42
